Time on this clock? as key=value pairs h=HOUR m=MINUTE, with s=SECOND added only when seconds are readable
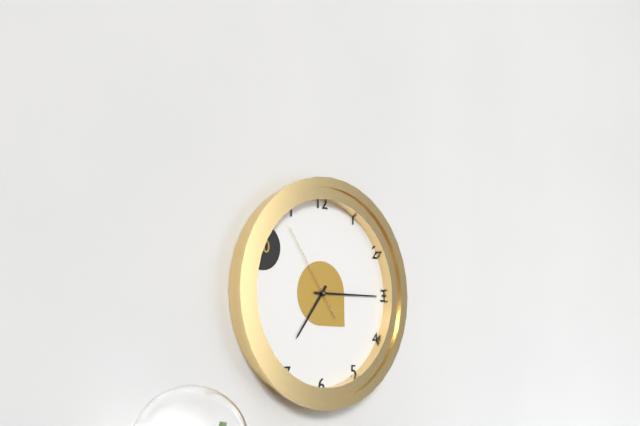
h=7 m=15 s=54
